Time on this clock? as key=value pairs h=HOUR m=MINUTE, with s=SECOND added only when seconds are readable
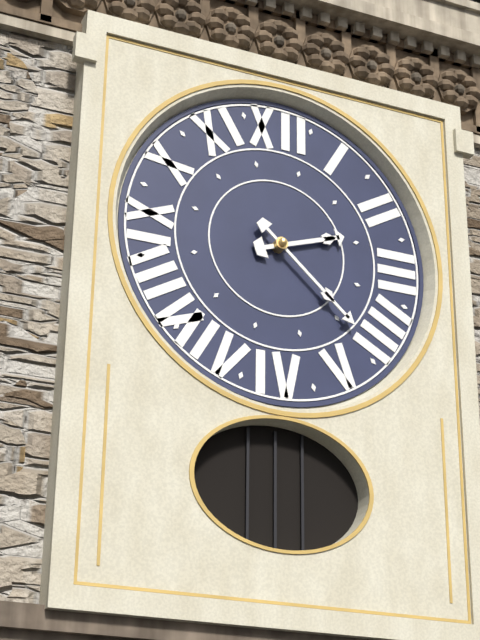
h=2 m=22
